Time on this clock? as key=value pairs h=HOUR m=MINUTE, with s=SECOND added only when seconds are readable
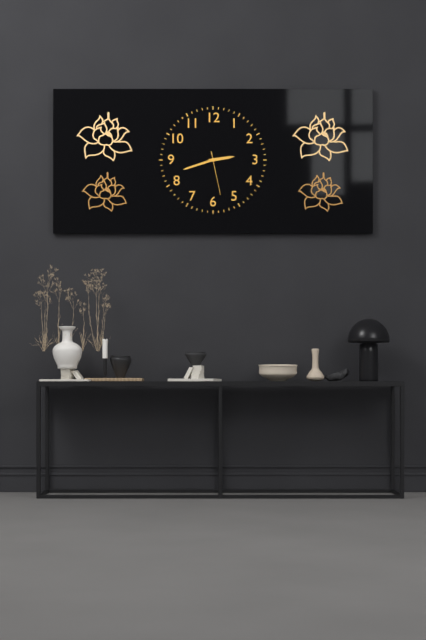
h=2 m=42
